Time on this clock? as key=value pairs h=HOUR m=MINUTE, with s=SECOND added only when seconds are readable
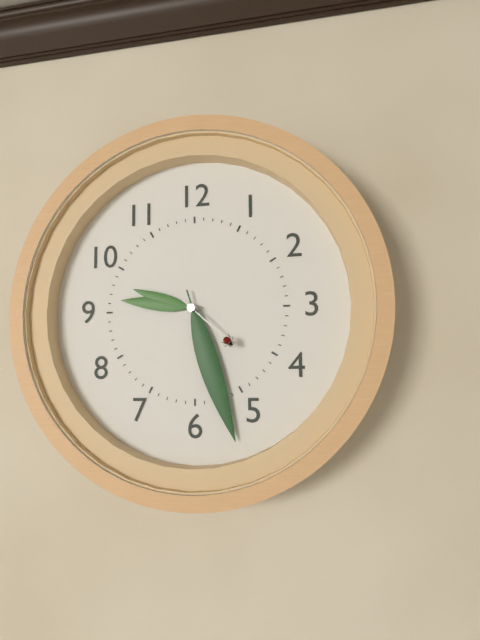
h=9 m=27 s=22
